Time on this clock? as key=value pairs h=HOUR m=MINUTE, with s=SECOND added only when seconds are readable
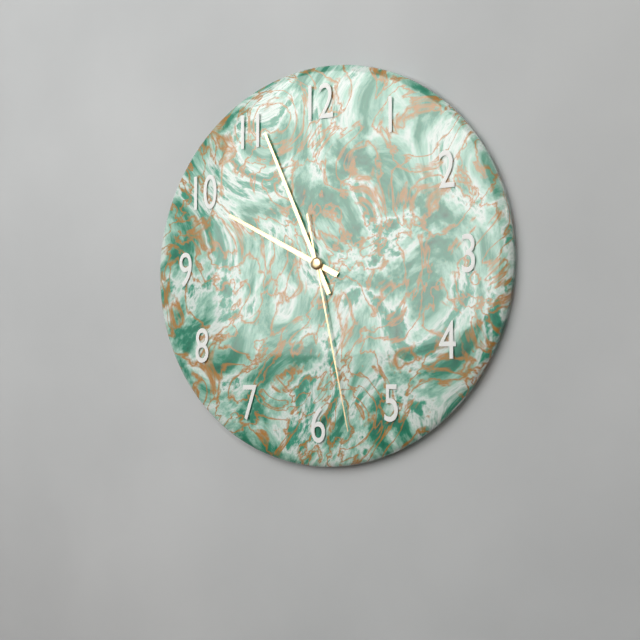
h=9 m=56 s=28
